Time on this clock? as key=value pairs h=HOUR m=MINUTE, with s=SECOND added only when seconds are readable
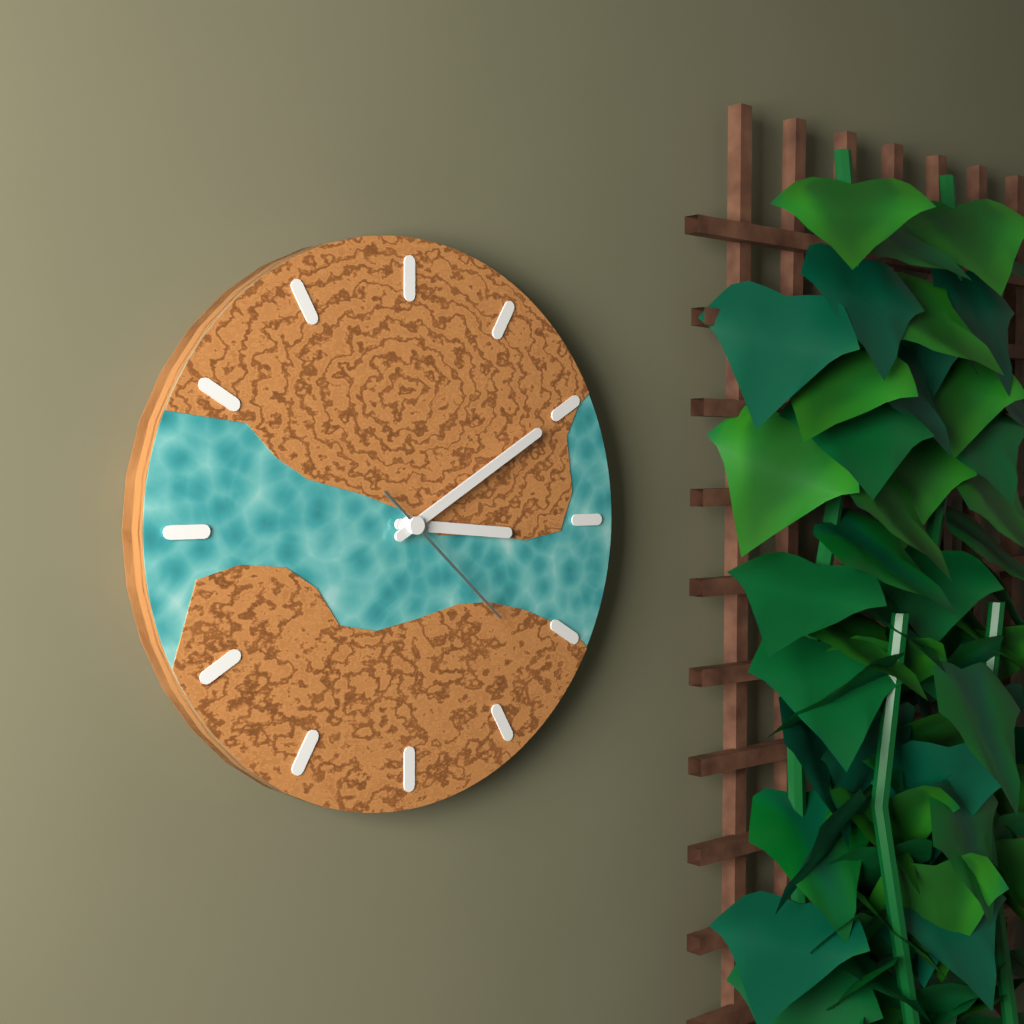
h=3 m=10 s=22
